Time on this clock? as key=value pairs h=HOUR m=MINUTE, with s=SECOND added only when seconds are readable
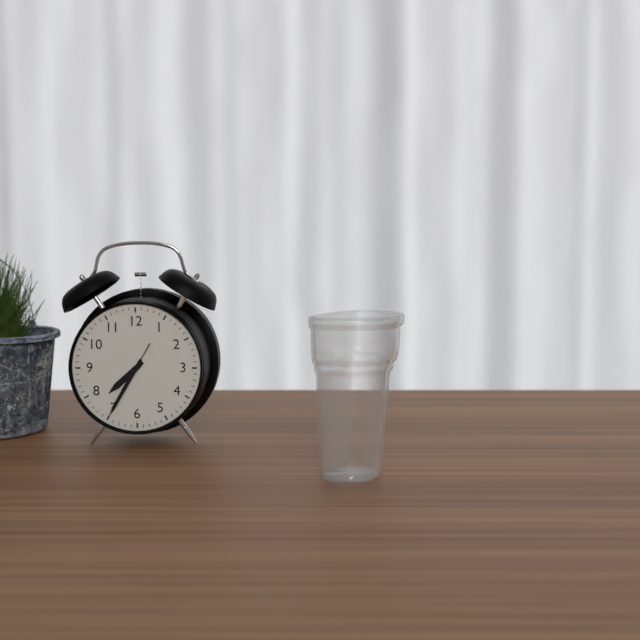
h=7 m=35 s=35
